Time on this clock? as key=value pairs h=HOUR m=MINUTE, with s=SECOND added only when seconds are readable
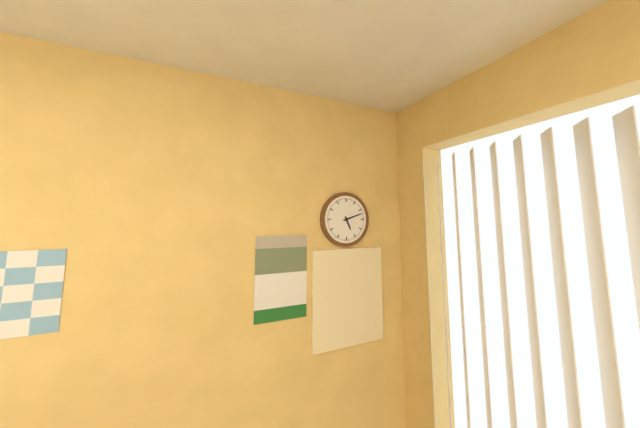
h=5 m=12
